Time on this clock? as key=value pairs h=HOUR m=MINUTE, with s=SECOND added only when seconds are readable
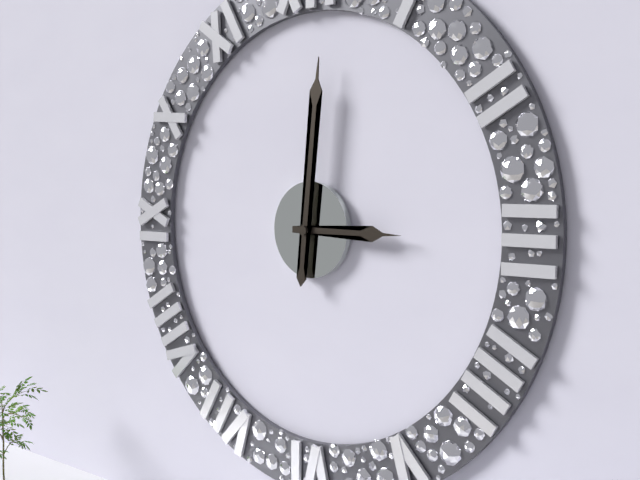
h=3 m=1
